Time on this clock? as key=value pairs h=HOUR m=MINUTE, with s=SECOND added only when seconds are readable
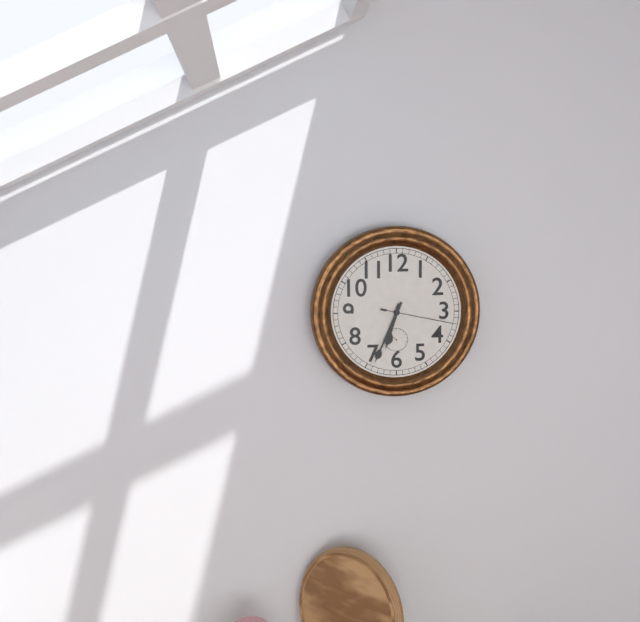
h=6 m=34 s=17
